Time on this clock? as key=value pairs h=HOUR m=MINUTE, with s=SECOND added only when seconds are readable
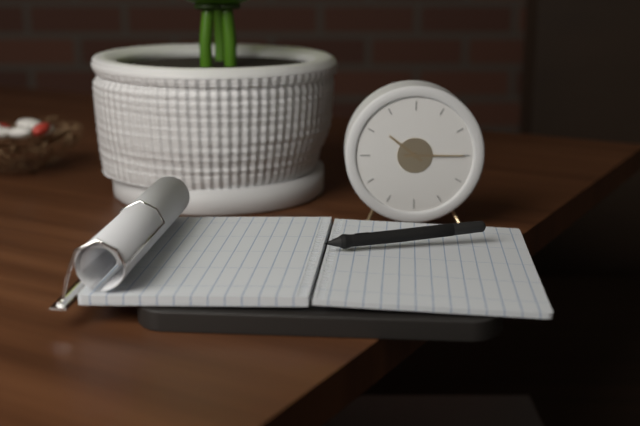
h=10 m=15
